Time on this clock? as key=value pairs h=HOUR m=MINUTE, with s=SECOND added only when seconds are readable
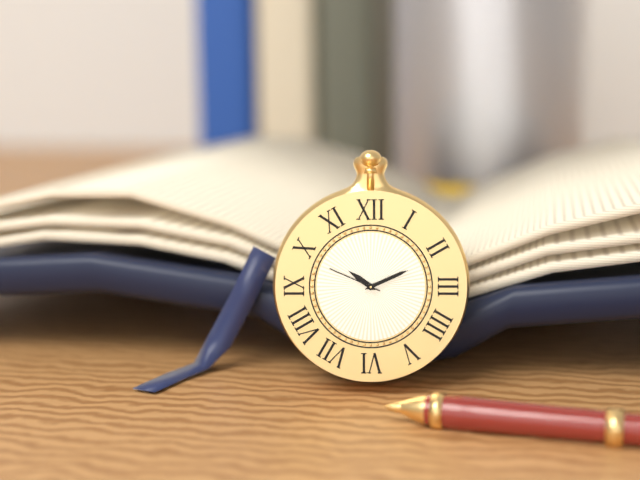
h=10 m=11 s=49
